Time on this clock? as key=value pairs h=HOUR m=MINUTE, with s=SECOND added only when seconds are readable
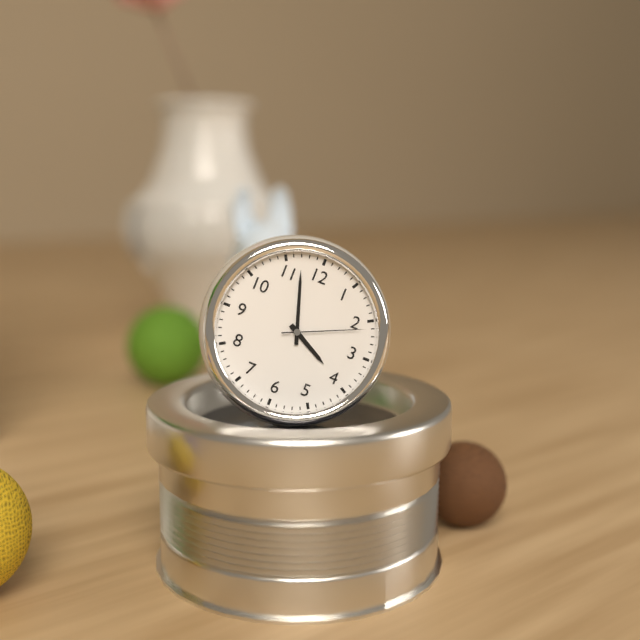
h=3 m=57 s=11
